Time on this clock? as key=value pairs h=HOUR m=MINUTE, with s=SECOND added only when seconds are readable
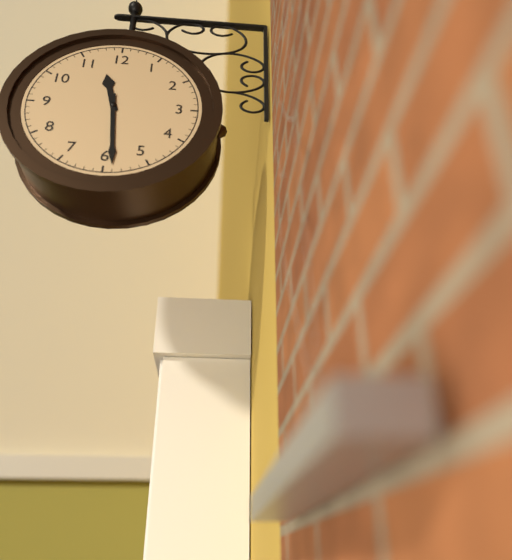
h=11 m=29
